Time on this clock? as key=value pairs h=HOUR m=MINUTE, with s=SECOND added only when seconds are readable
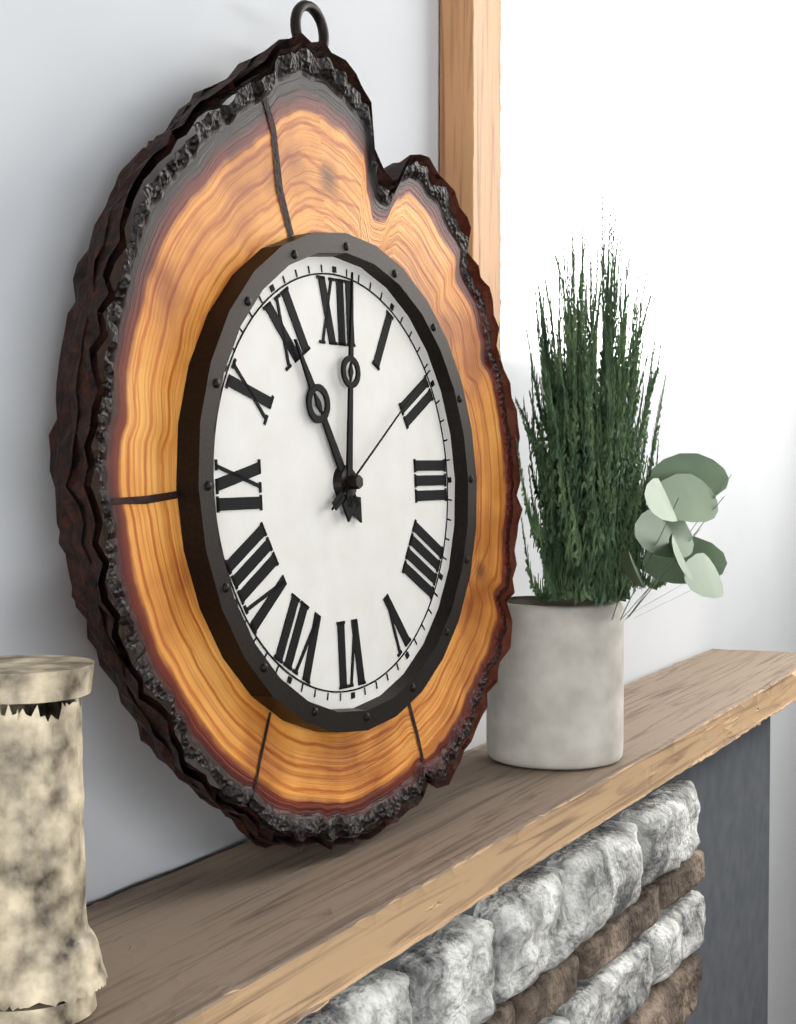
h=11 m=1 s=9
